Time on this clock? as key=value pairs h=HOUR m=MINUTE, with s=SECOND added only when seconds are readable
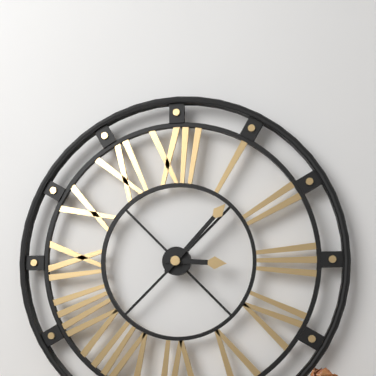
h=3 m=7
